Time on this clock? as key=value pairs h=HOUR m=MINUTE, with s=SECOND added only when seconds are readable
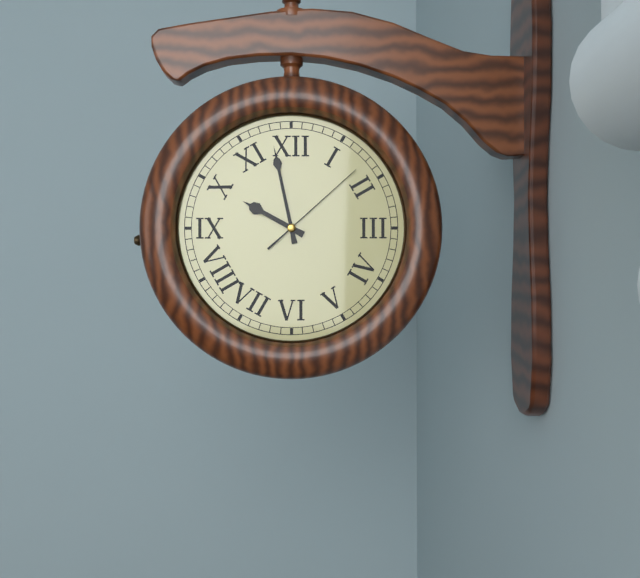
h=9 m=58 s=8
